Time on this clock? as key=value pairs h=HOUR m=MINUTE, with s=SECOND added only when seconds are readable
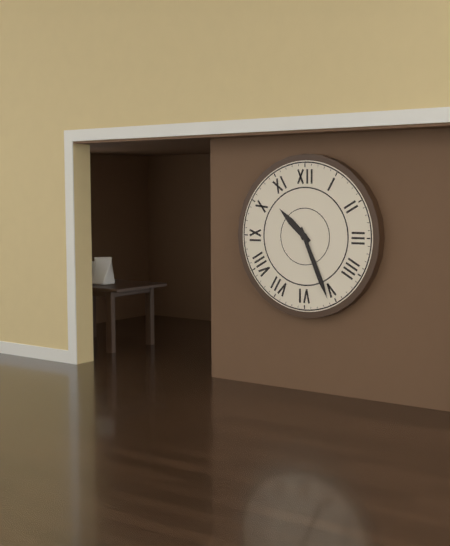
h=10 m=26
